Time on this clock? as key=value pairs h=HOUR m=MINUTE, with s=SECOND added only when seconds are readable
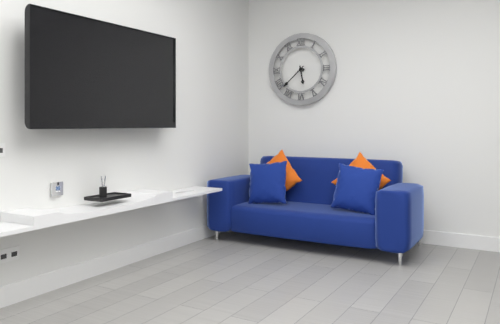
h=5 m=38
